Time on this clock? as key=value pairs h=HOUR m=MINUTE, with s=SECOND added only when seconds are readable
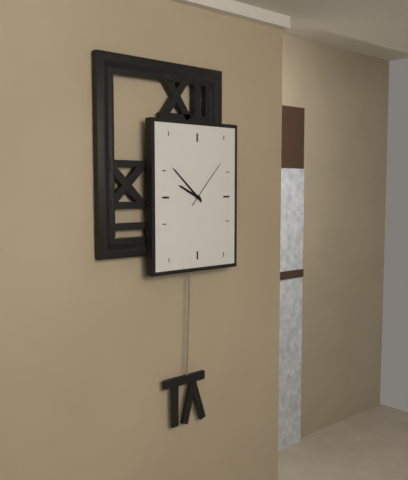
h=9 m=52 s=7
